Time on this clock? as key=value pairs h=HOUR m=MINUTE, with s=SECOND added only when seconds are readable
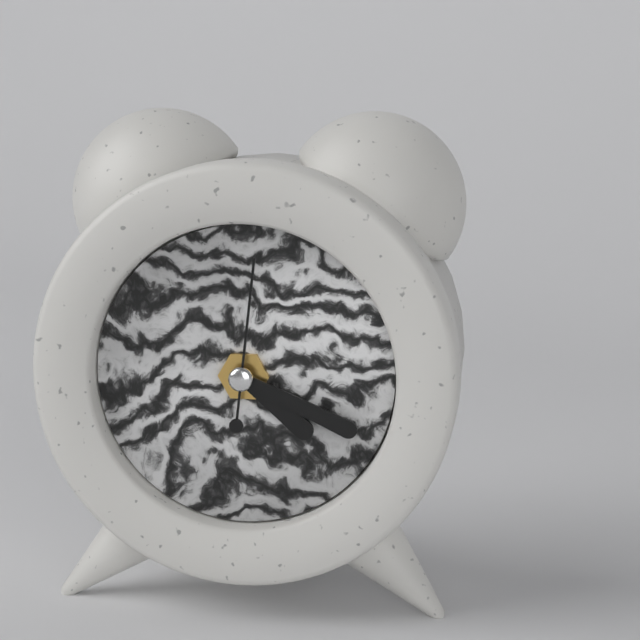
h=4 m=19 s=1
